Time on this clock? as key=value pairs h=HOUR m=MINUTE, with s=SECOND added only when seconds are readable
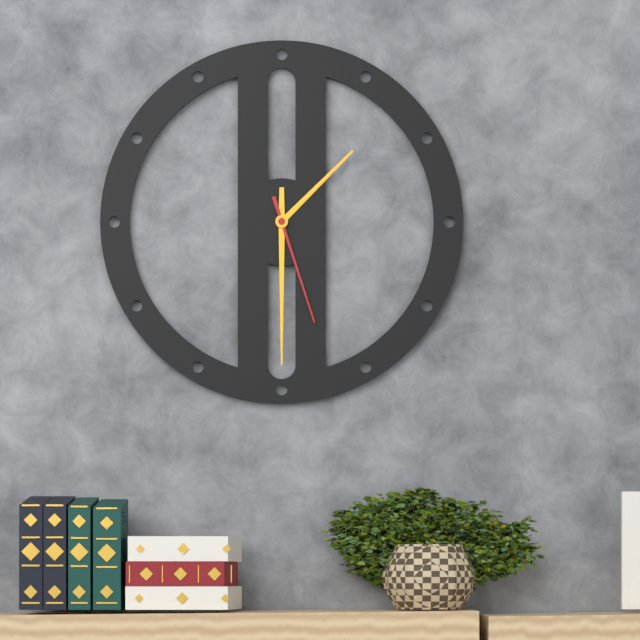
h=1 m=30 s=27
